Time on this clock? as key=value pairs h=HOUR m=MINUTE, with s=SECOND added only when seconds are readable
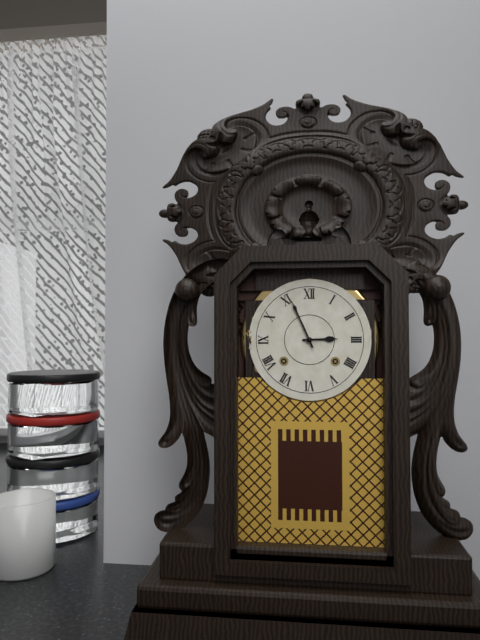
h=2 m=56
